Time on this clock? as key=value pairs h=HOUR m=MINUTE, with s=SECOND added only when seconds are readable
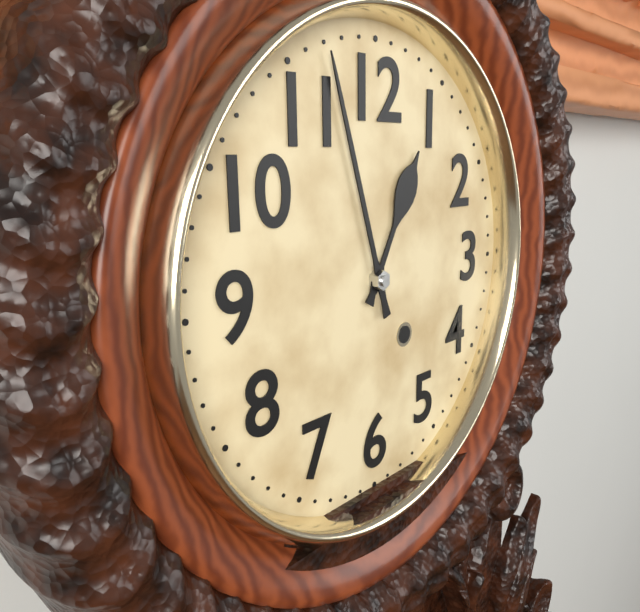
h=12 m=57
